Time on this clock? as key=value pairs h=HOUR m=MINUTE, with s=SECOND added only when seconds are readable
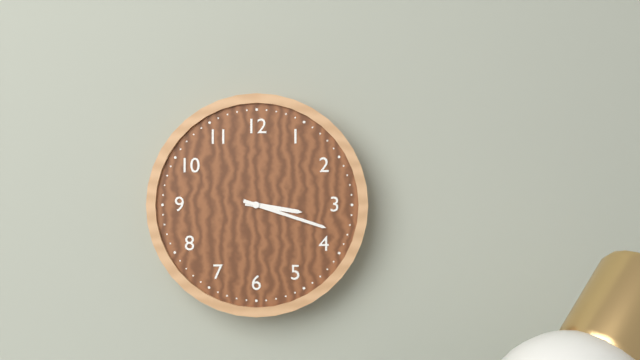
h=3 m=18
